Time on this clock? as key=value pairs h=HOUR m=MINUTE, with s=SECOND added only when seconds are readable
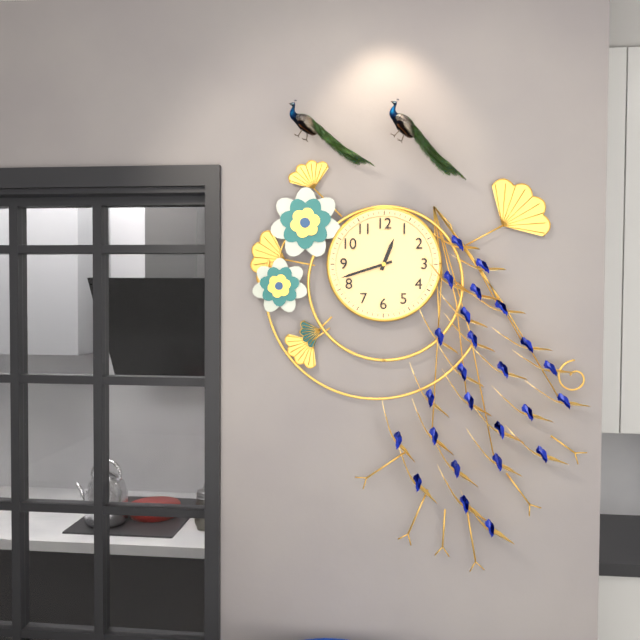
h=12 m=42
